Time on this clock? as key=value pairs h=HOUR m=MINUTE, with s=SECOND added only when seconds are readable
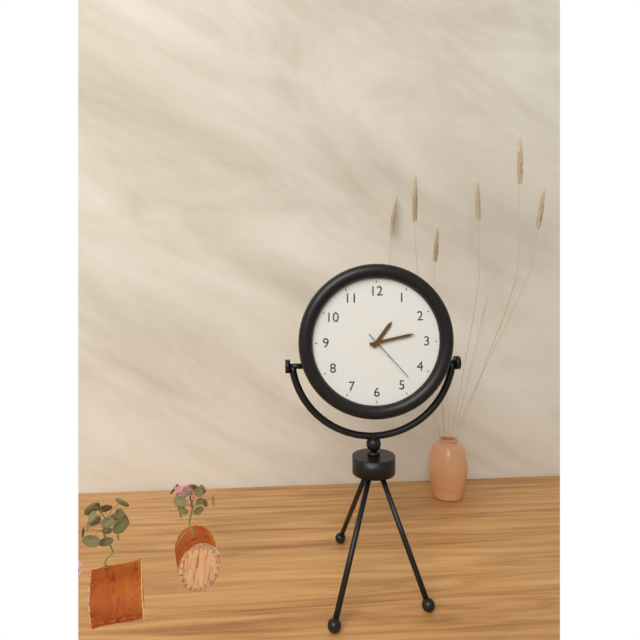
h=1 m=13 s=23
